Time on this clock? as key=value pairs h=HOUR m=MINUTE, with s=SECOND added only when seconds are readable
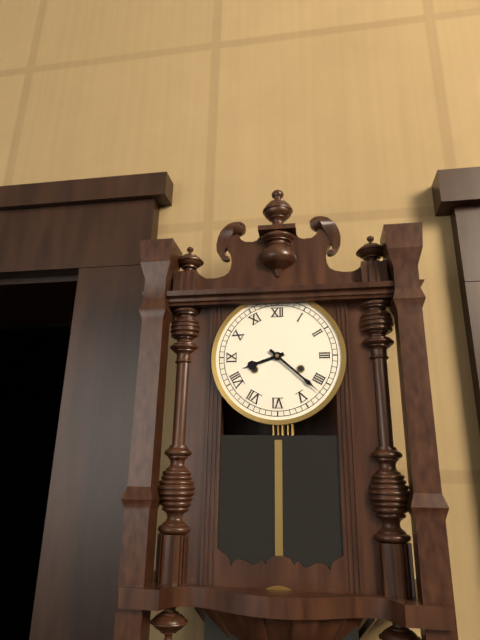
h=8 m=22
